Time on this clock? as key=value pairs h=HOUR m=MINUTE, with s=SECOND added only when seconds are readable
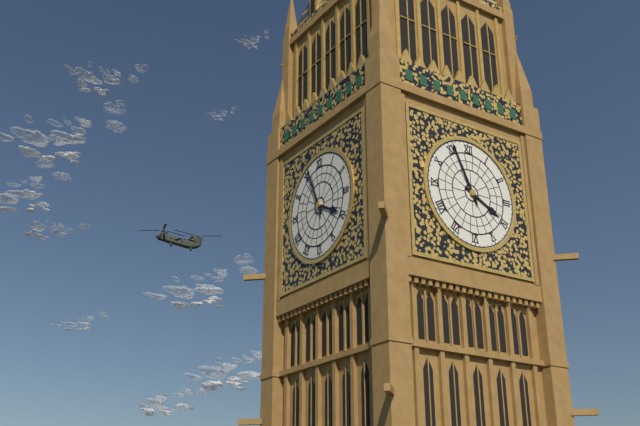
h=3 m=56
